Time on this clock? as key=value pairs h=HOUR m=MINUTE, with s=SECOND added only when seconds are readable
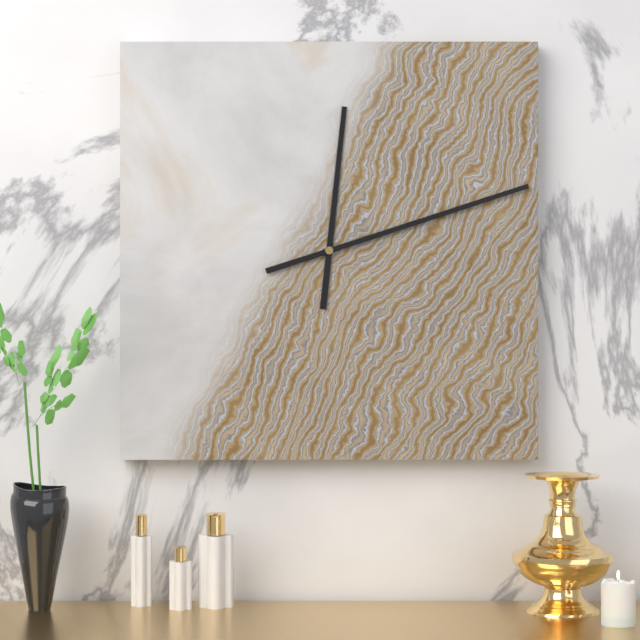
h=12 m=12
